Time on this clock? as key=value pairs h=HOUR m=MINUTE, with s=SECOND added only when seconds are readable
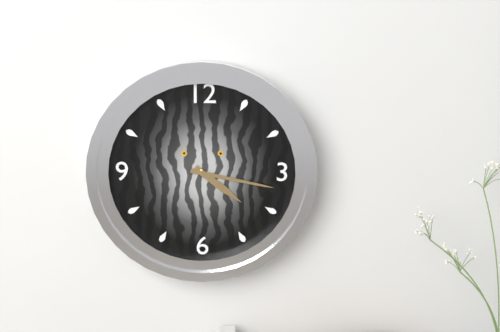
h=4 m=17
